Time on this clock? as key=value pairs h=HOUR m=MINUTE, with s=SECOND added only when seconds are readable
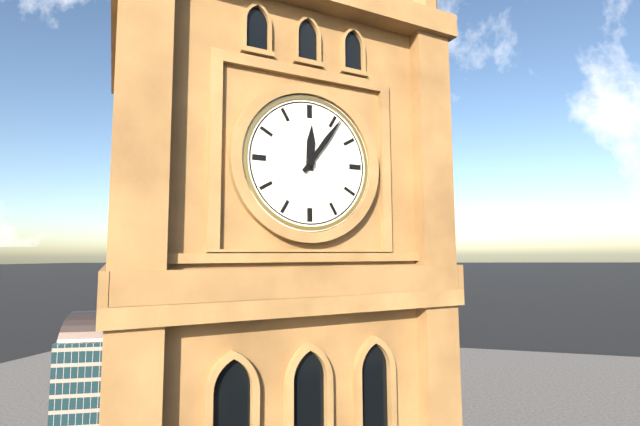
h=12 m=6
